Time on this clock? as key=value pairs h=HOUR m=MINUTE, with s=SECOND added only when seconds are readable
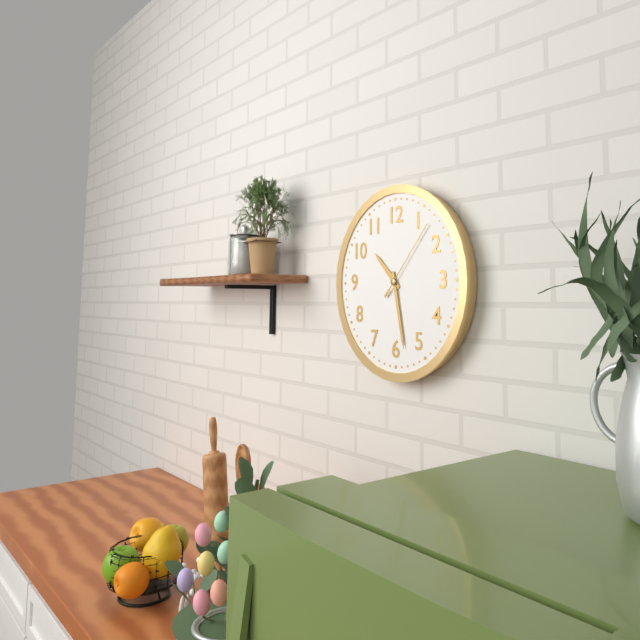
h=10 m=28 s=7
